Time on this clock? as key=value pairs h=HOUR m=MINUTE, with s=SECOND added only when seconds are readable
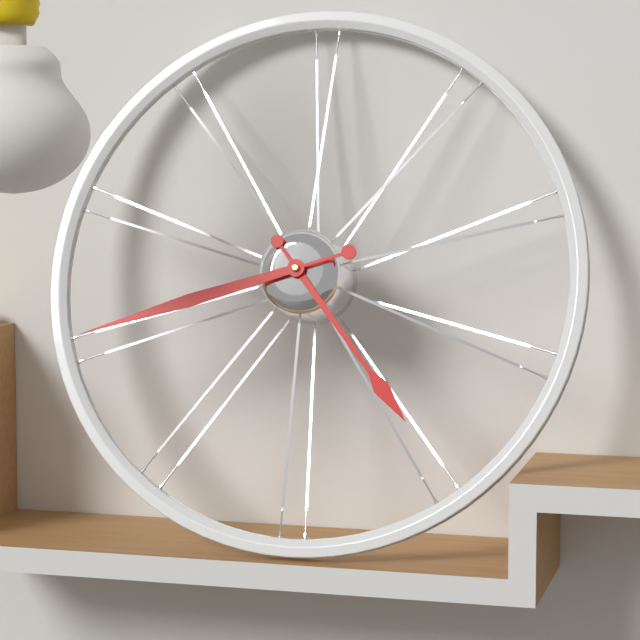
h=4 m=42
